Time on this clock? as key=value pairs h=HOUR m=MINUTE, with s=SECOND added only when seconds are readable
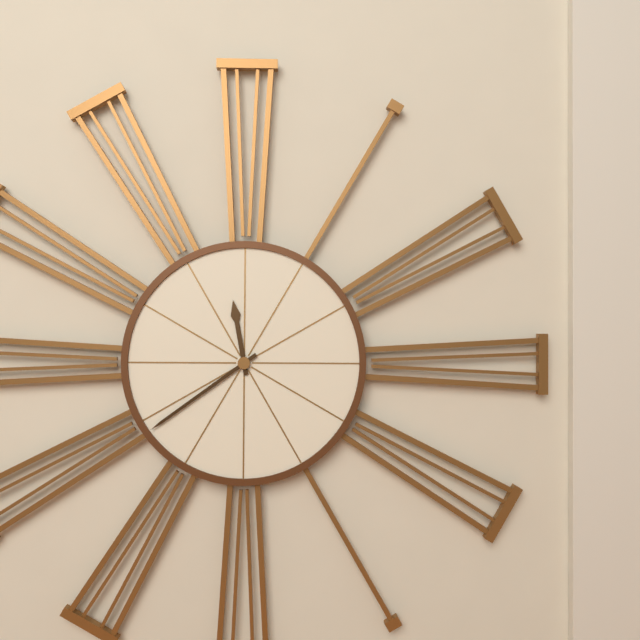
h=11 m=39
